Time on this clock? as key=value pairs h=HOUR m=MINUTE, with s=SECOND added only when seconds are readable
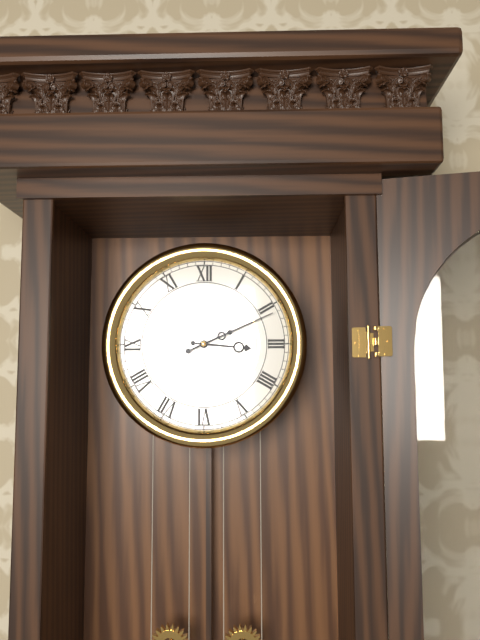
h=3 m=11
